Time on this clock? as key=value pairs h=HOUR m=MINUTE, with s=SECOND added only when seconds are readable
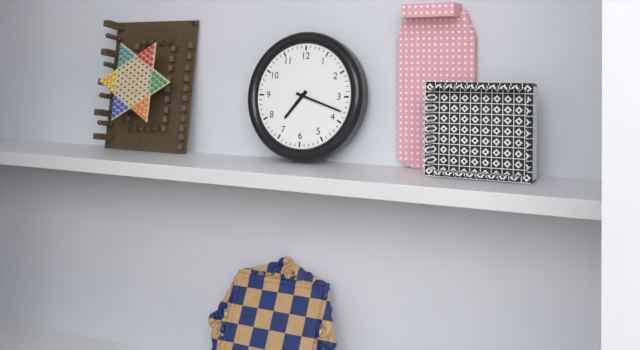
h=7 m=18
